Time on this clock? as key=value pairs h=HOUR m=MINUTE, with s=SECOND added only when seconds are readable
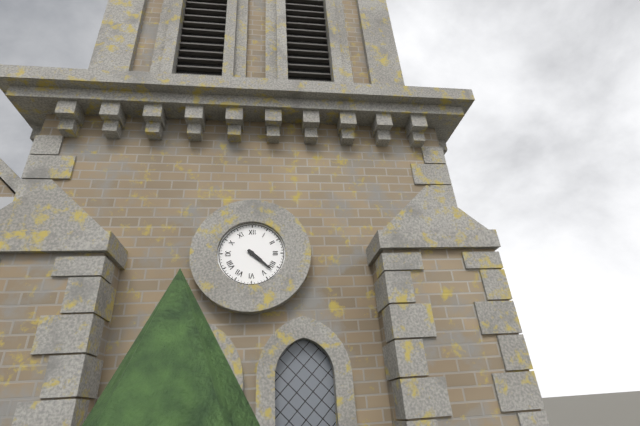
h=4 m=22
